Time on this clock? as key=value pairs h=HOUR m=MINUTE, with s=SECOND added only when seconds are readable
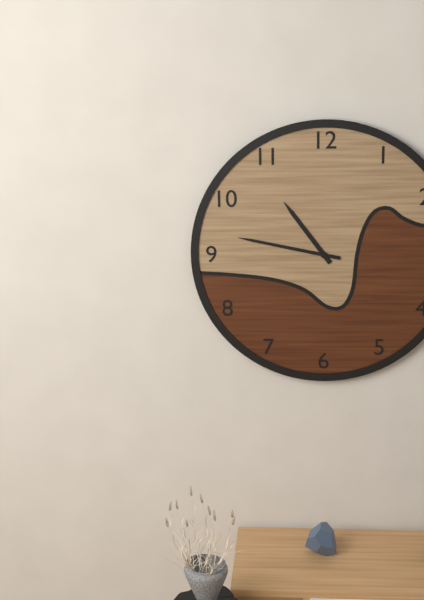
h=10 m=47
